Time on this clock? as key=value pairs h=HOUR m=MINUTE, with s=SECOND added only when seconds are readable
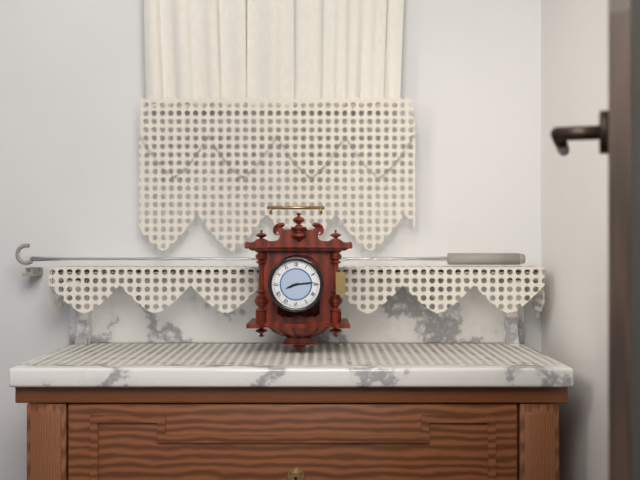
h=8 m=14
